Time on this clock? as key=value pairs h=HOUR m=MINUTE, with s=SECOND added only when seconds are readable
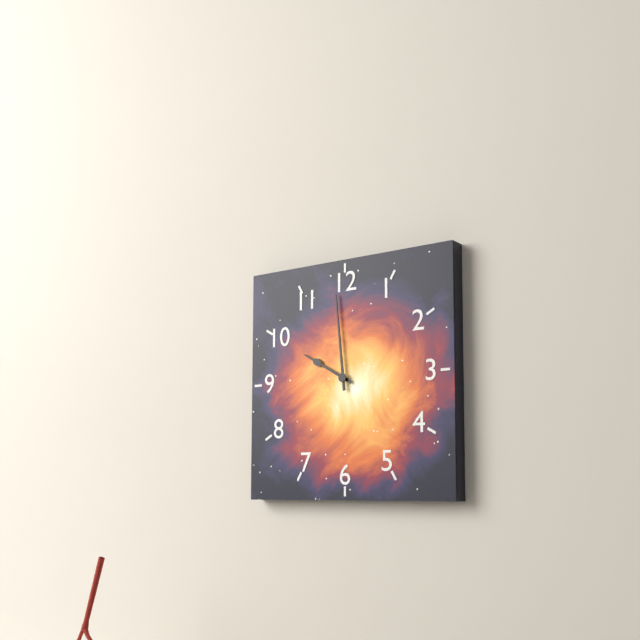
h=9 m=59
